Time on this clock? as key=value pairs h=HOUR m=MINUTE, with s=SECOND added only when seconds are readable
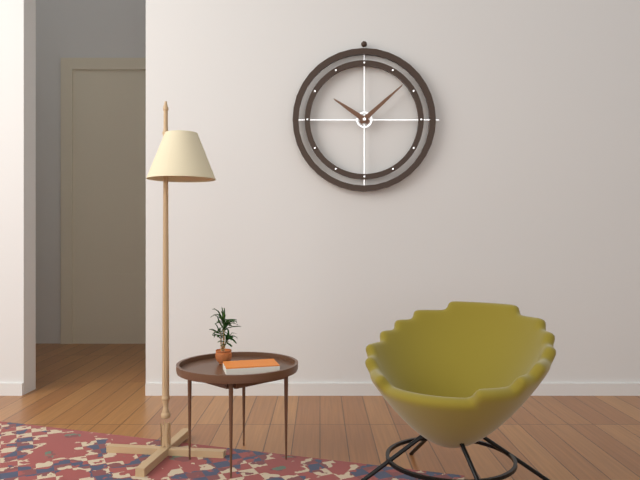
h=10 m=8
